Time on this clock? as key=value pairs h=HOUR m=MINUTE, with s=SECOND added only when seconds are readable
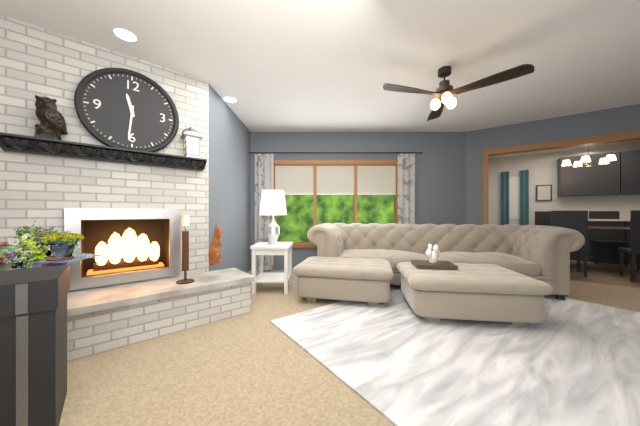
h=11 m=31
